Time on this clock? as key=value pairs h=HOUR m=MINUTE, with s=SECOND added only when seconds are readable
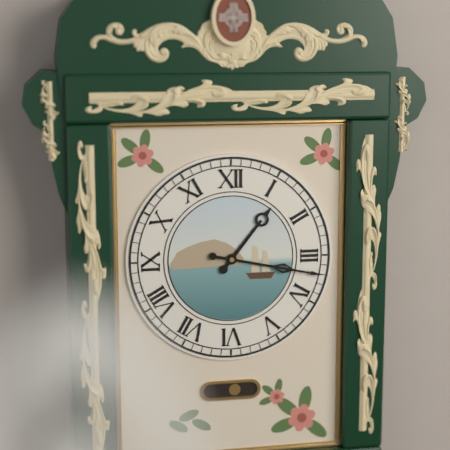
h=1 m=17
